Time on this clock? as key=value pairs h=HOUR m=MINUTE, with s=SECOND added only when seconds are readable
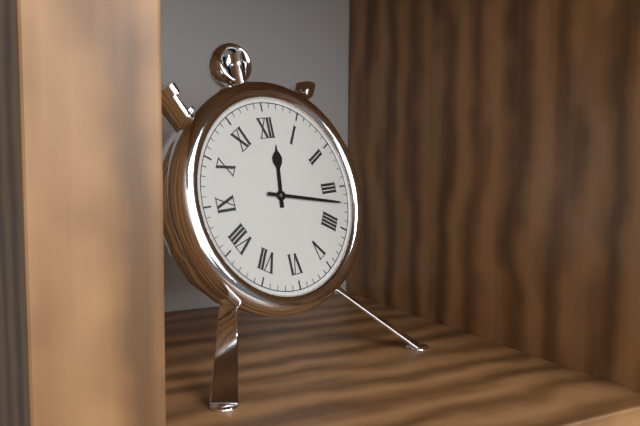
h=12 m=17
